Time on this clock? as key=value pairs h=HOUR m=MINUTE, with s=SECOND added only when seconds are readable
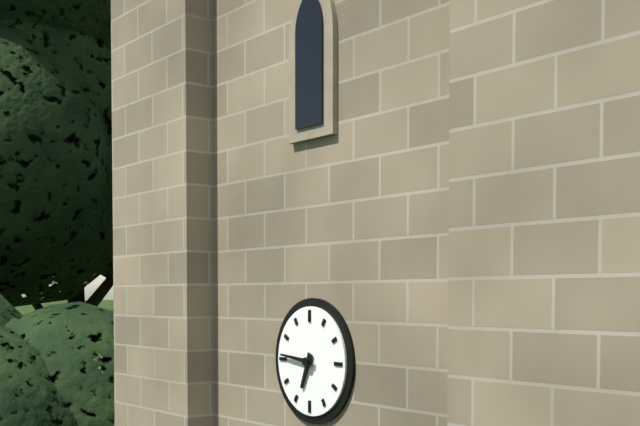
h=6 m=46
